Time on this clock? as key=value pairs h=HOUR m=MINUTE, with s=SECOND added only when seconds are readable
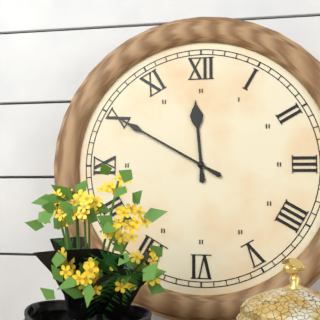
h=11 m=50
